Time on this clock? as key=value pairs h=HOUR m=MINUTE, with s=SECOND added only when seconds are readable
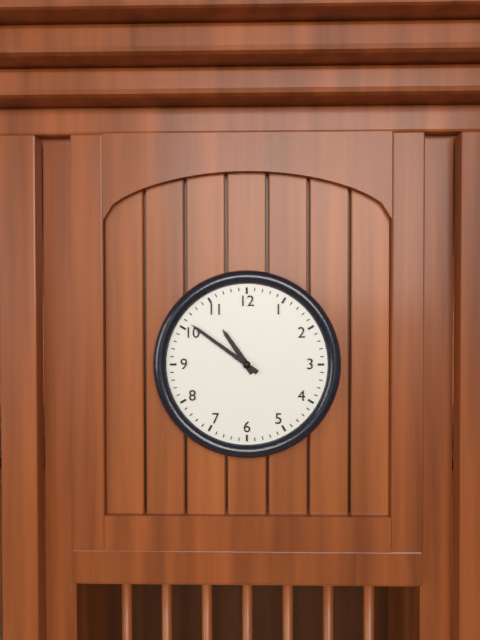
h=10 m=51
